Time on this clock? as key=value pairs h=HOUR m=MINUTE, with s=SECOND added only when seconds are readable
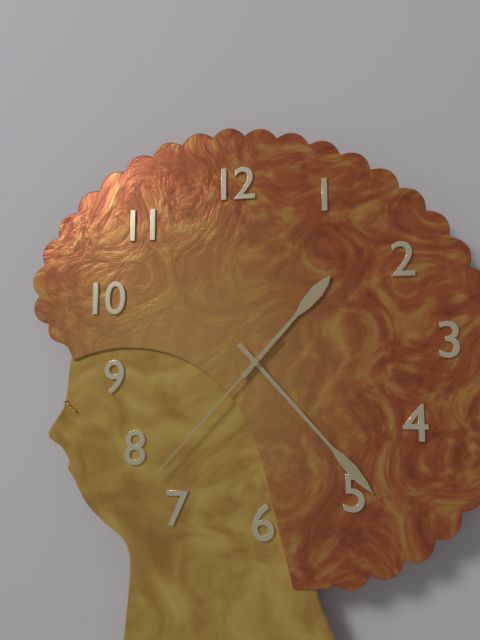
h=1 m=23 s=37
